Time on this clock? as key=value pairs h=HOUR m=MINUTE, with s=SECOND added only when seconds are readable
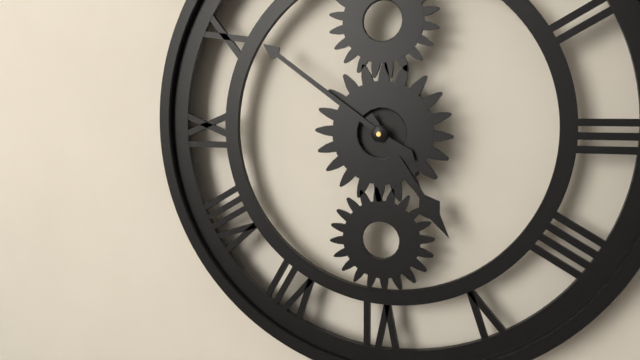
h=4 m=51
